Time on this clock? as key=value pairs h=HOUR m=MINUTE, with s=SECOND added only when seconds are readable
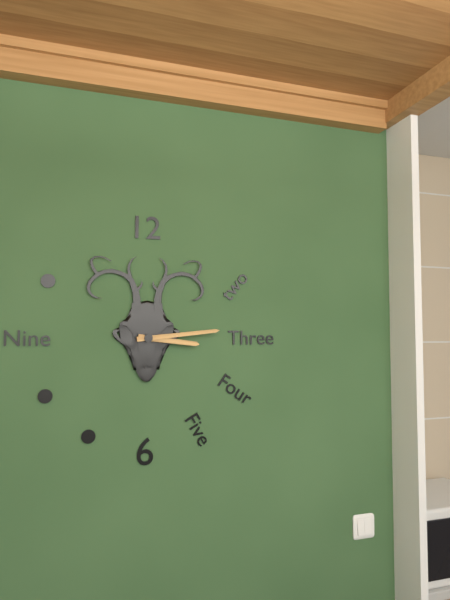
h=3 m=14
